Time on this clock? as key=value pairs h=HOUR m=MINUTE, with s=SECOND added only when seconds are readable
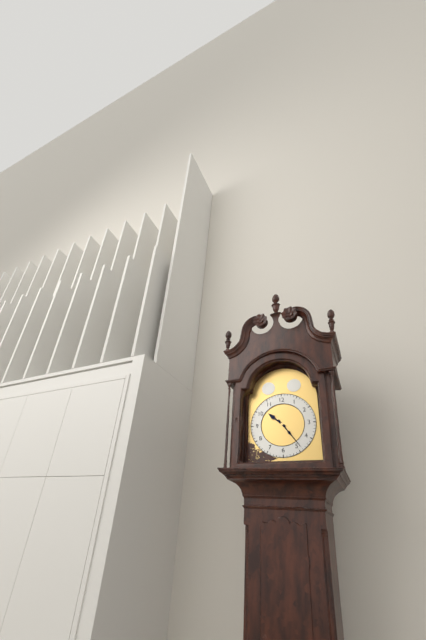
h=10 m=24
